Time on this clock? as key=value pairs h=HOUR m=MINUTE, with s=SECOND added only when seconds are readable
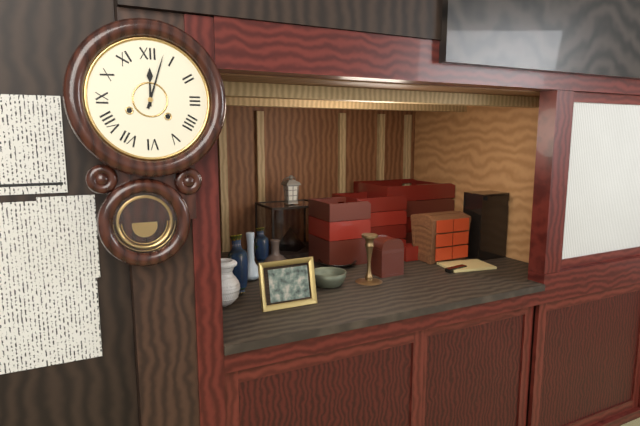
h=12 m=3
